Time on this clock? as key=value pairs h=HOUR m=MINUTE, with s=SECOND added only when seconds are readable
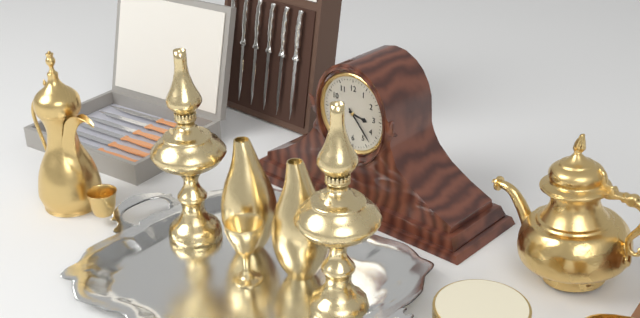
h=3 m=23
